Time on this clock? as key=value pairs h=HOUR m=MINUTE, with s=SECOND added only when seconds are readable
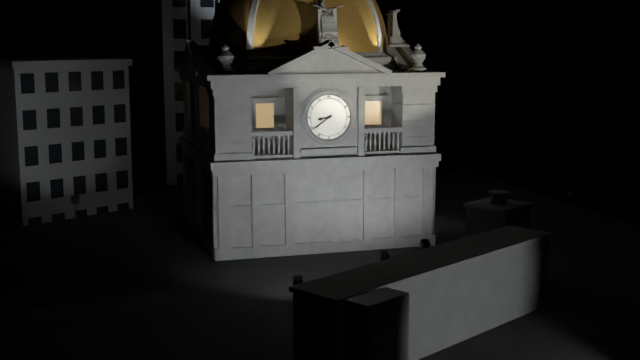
h=8 m=39
